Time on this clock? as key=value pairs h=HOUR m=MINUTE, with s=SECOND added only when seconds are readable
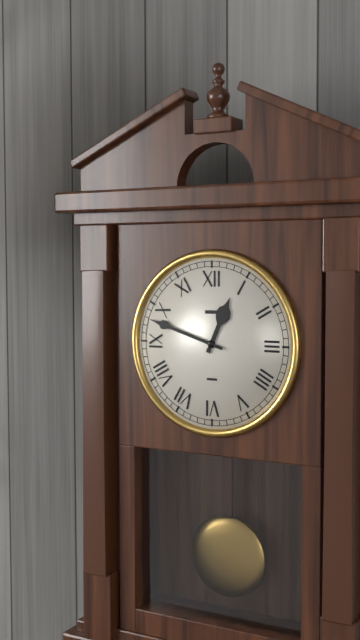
h=12 m=48
